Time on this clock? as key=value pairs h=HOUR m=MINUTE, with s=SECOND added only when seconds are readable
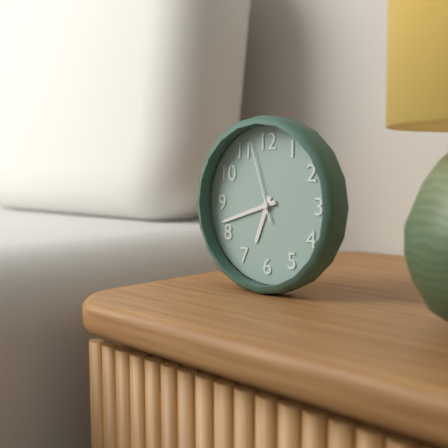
h=6 m=42 s=57
